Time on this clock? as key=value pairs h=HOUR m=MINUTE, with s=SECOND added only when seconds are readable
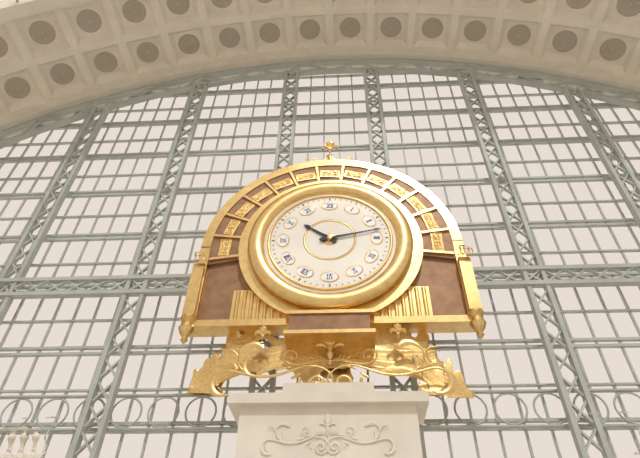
h=10 m=13
